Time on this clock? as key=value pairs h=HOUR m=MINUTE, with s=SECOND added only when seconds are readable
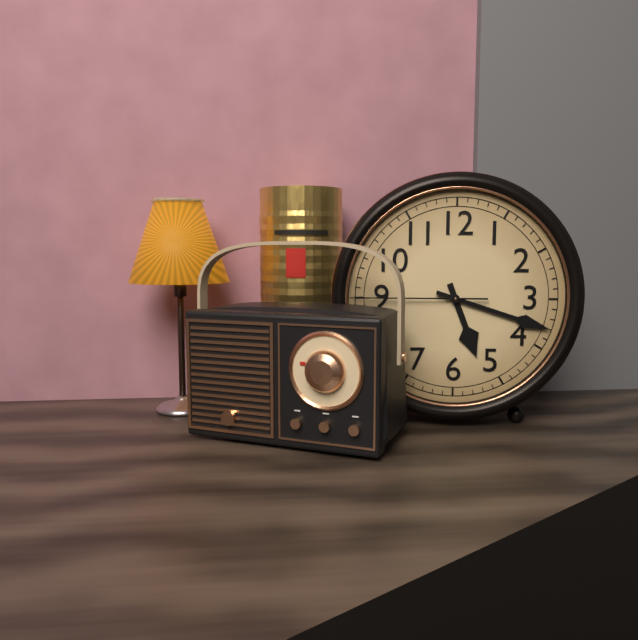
h=5 m=18 s=45
